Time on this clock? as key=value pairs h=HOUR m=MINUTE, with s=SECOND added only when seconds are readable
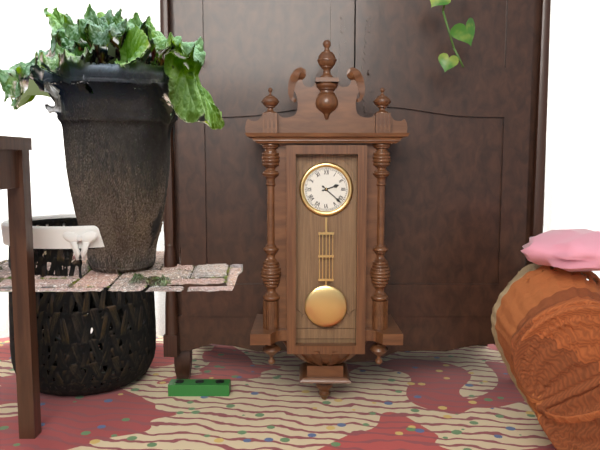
h=2 m=22
